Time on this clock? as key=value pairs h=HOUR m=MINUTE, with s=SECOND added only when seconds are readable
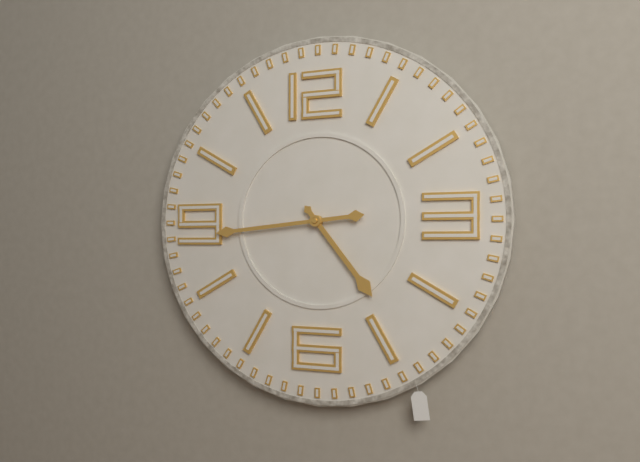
h=4 m=44
